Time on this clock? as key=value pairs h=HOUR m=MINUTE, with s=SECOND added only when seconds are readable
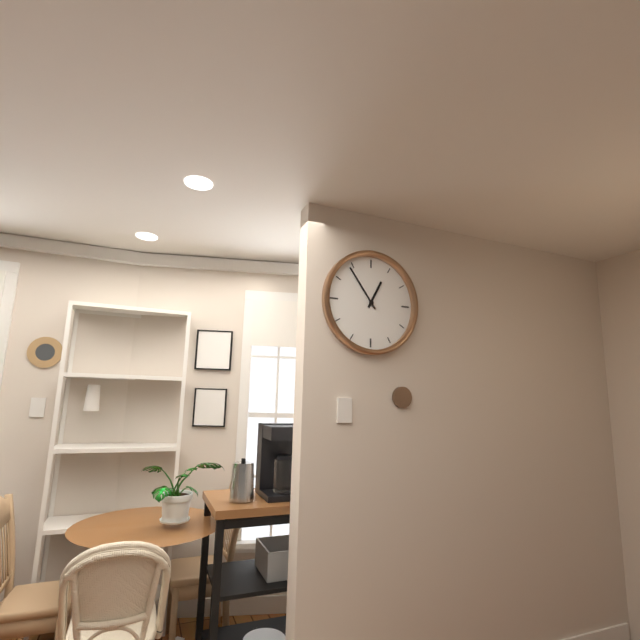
h=12 m=54
